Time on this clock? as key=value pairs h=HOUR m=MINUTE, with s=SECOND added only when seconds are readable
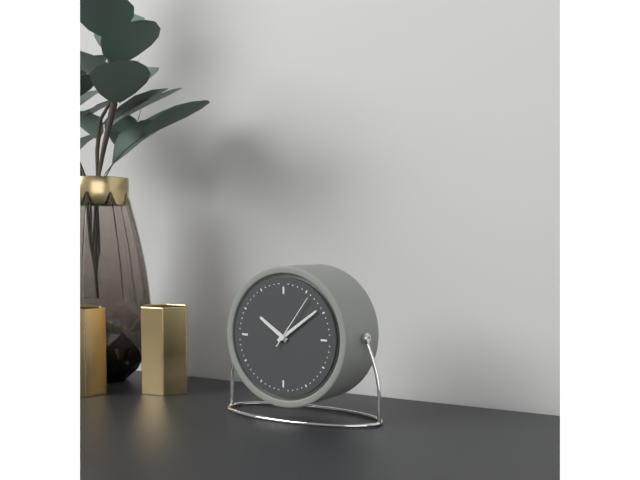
h=10 m=9 s=6
